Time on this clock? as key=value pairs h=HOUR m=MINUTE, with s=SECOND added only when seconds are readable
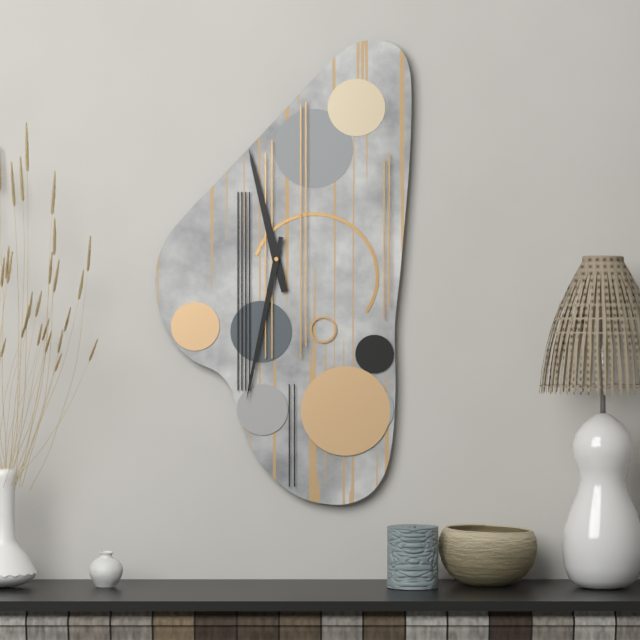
h=11 m=32
